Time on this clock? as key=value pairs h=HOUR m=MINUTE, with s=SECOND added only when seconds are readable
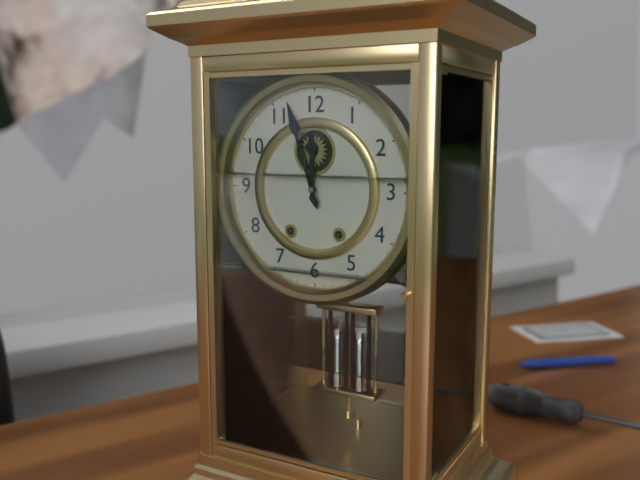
h=11 m=57
